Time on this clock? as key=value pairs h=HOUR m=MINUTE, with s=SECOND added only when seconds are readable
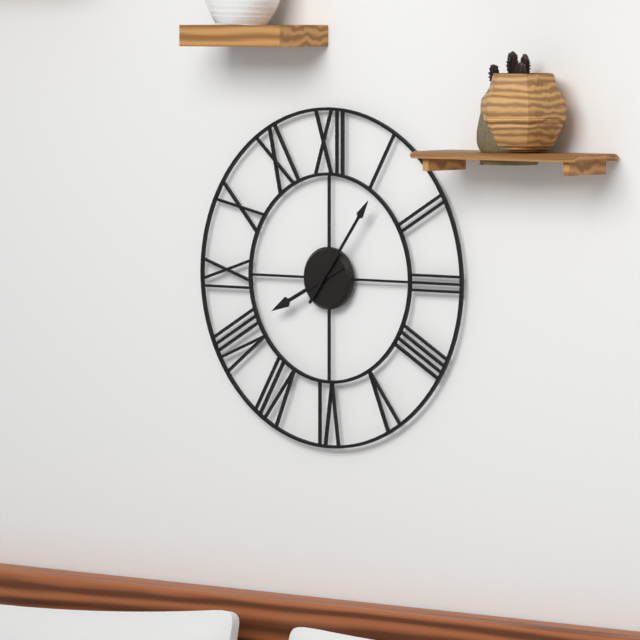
h=8 m=6
